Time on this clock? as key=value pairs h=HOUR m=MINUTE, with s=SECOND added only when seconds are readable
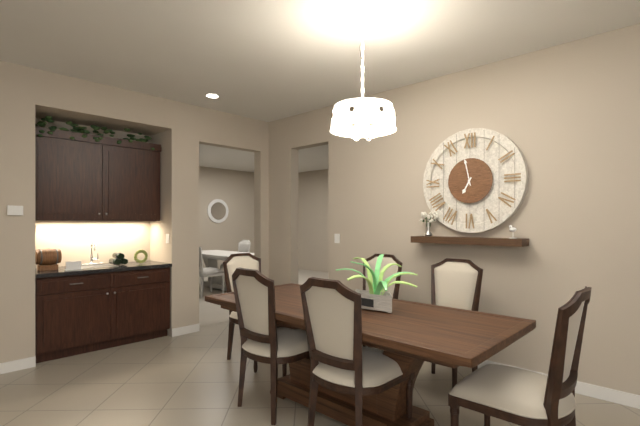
h=6 m=58
